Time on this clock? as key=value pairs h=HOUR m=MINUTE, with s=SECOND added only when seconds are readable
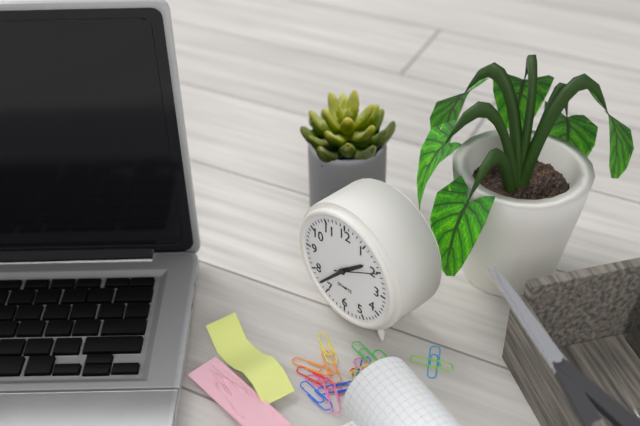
h=1 m=37
